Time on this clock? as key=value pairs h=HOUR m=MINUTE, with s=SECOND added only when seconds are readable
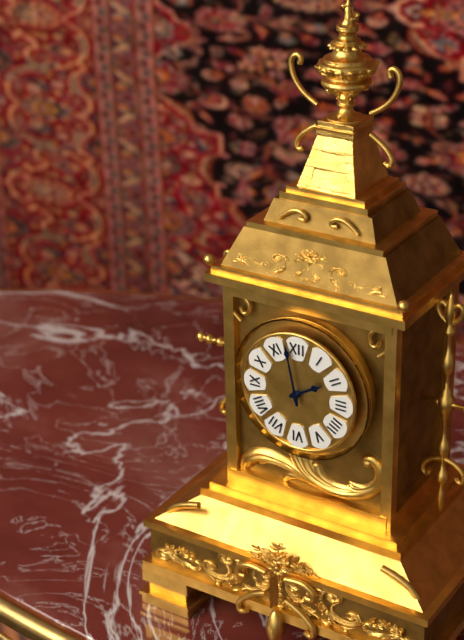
h=1 m=58
